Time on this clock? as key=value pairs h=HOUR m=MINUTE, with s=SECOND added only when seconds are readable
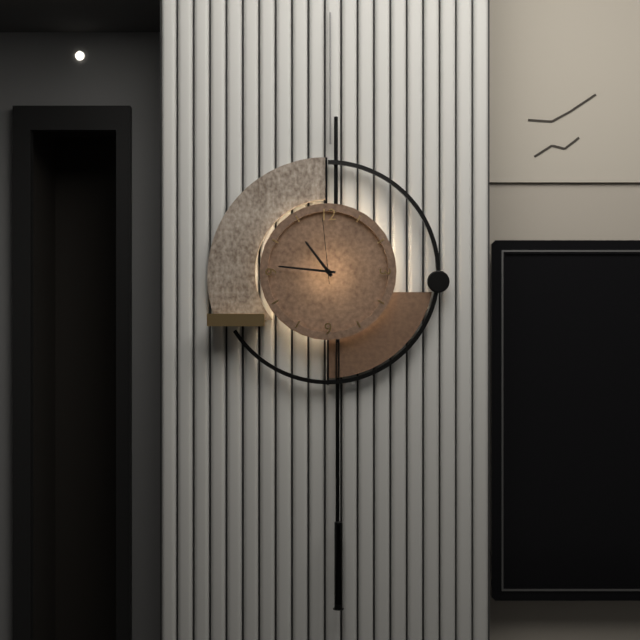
h=10 m=46 s=59
